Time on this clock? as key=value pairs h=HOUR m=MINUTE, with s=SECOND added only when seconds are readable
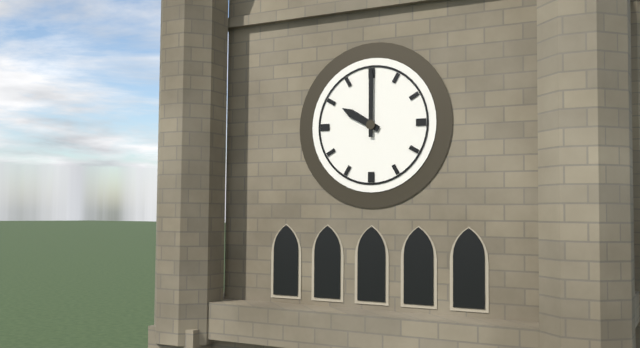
h=10 m=0
